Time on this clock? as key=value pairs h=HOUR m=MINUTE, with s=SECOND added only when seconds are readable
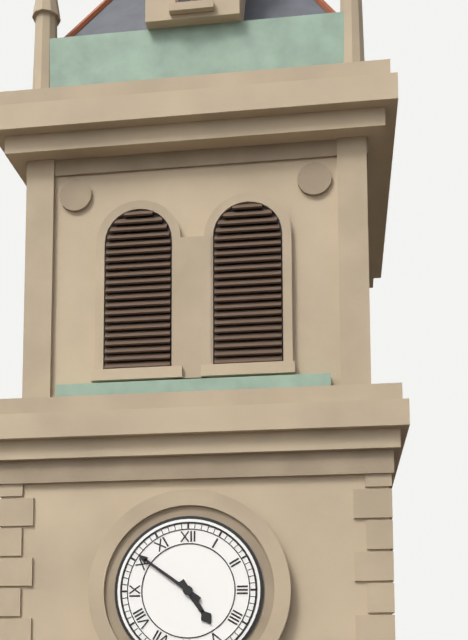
h=4 m=51
